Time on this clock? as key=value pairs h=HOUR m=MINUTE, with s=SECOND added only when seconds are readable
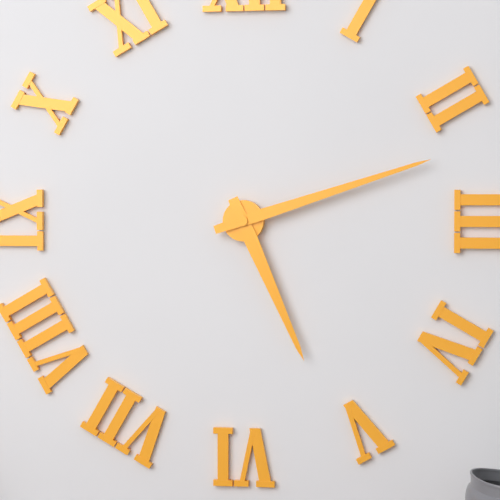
h=5 m=12
